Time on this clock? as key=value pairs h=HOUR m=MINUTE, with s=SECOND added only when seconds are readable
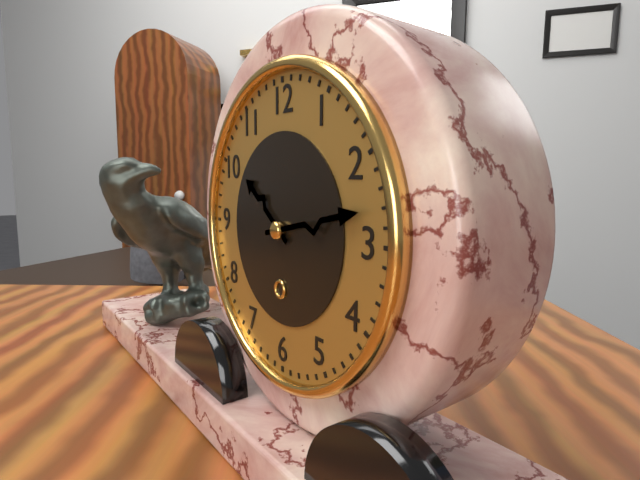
h=10 m=13
